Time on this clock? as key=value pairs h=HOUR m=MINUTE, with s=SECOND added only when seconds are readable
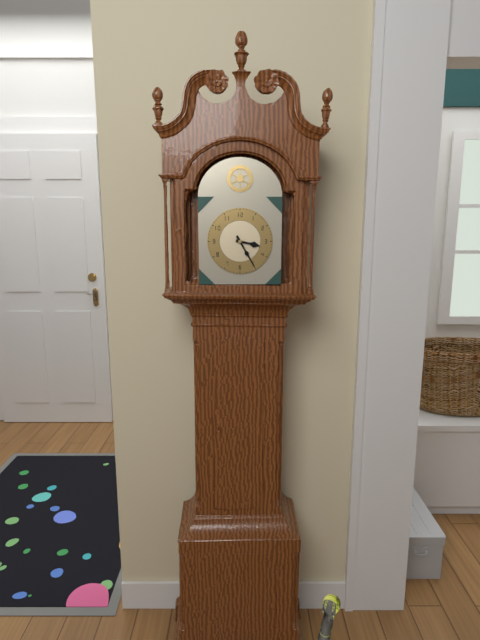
h=3 m=25
